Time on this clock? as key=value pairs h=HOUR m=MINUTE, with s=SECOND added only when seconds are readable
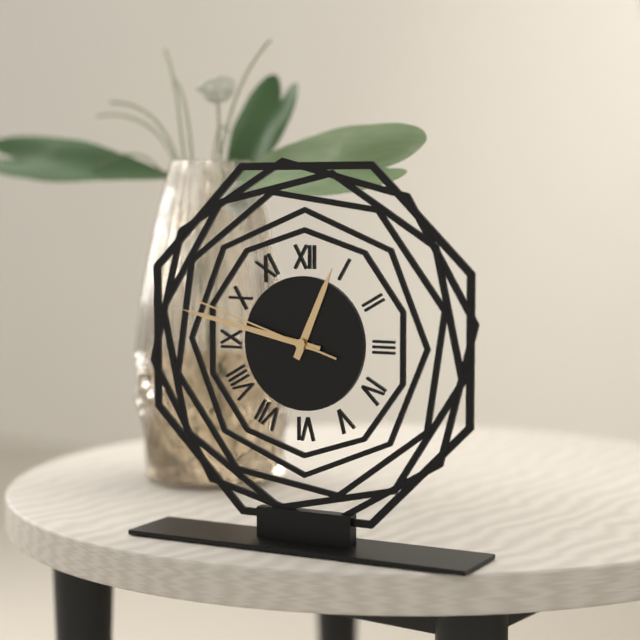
h=12 m=47 s=48
